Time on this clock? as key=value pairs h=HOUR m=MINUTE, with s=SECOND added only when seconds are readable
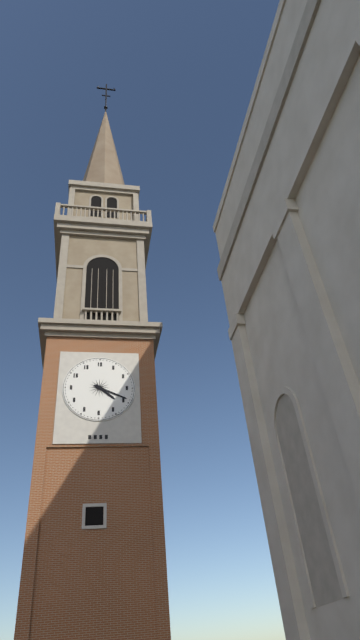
h=4 m=19
